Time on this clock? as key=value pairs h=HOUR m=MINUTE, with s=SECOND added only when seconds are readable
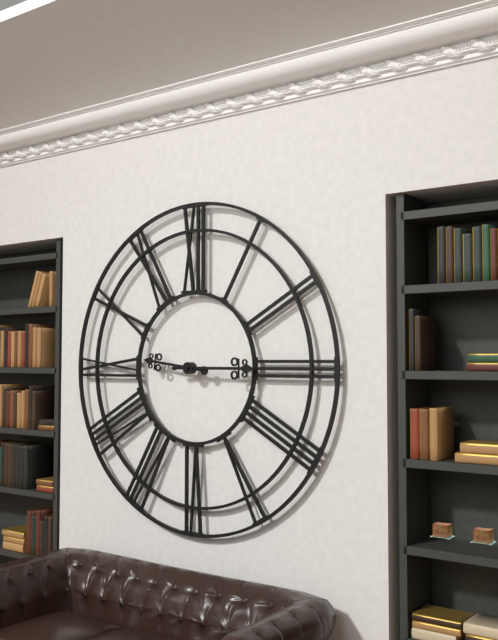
h=9 m=15
